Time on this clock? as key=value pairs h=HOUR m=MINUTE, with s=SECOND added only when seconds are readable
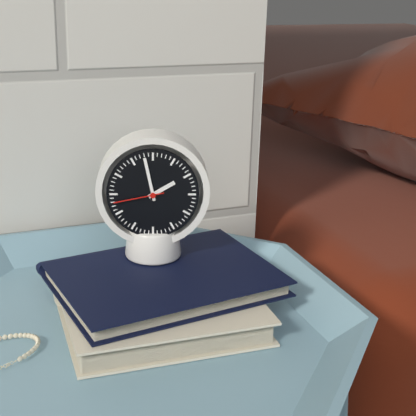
h=1 m=58 s=43
